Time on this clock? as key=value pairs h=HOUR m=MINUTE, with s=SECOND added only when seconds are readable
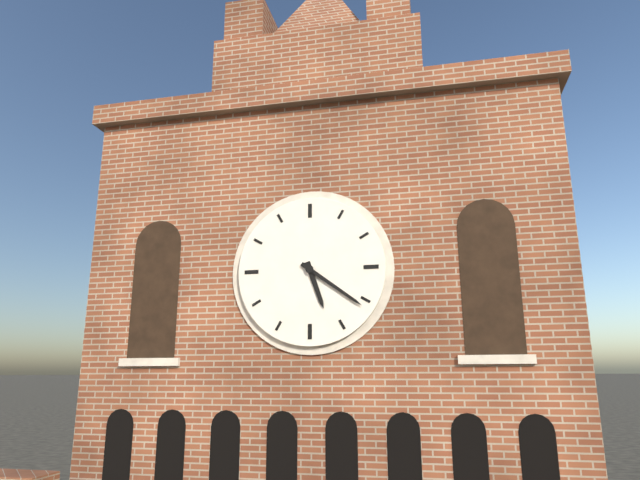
h=5 m=21
